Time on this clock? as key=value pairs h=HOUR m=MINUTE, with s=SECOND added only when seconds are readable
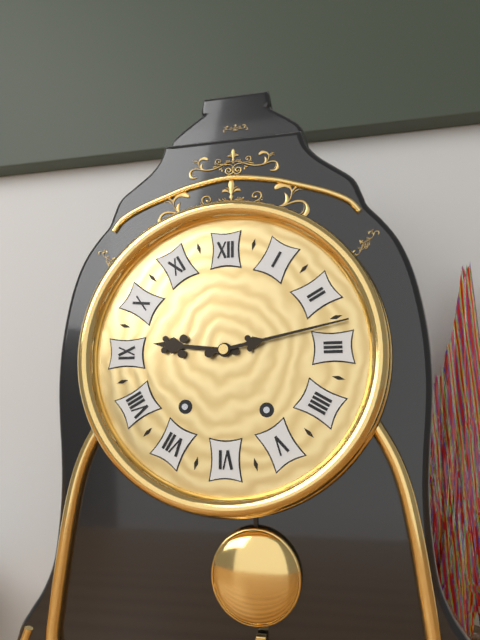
h=9 m=13
